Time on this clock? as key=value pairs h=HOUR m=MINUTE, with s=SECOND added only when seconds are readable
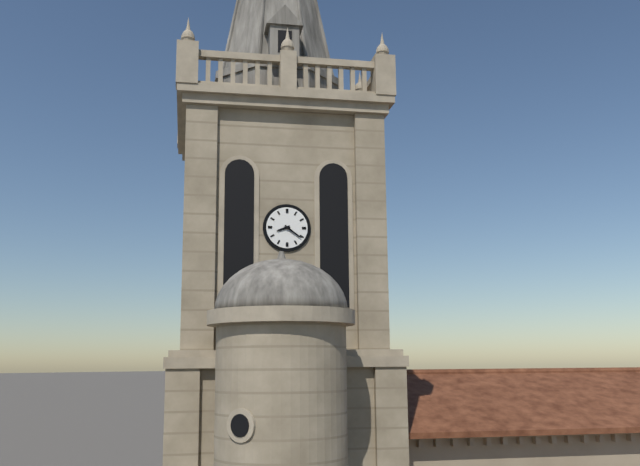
h=8 m=21
